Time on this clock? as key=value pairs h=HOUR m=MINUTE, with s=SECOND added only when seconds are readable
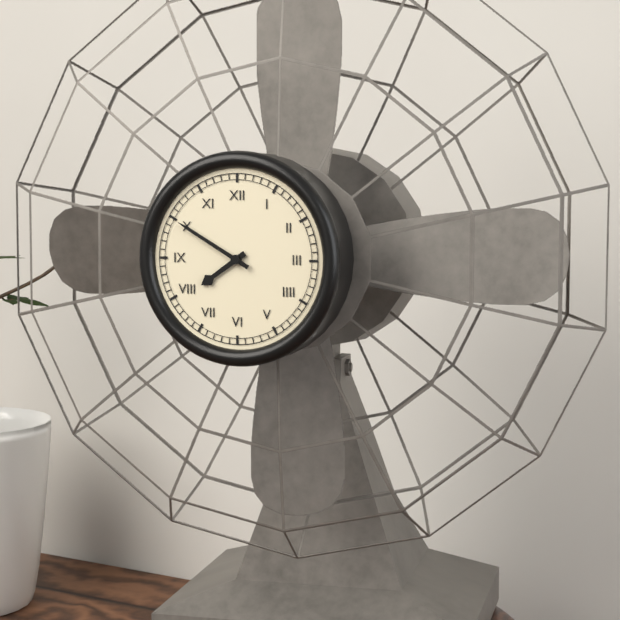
h=7 m=50
